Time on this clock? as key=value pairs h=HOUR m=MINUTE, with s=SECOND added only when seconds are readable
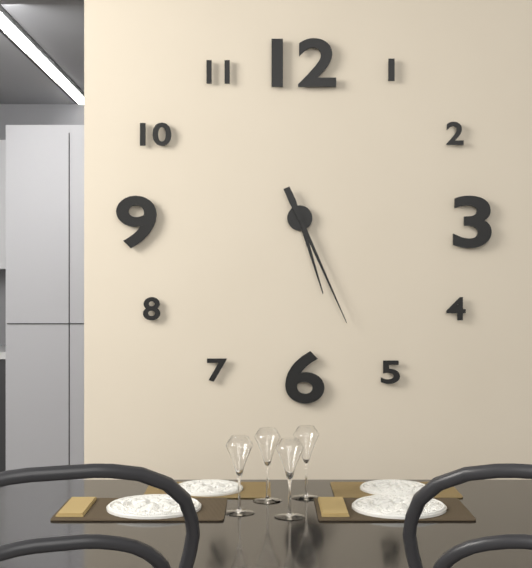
h=5 m=26
